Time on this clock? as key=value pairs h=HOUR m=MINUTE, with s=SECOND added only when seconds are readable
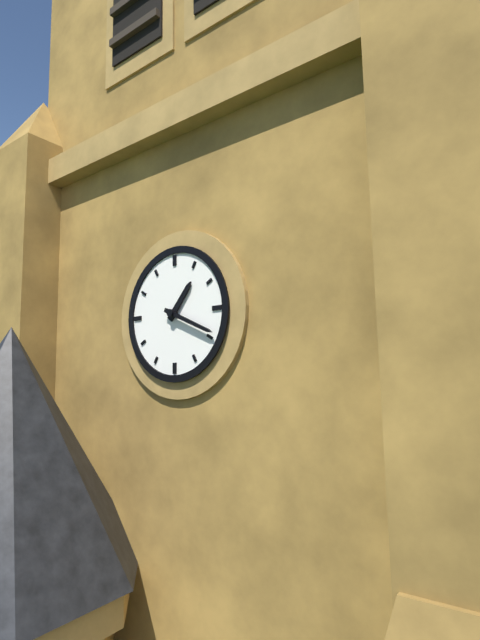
h=1 m=19
